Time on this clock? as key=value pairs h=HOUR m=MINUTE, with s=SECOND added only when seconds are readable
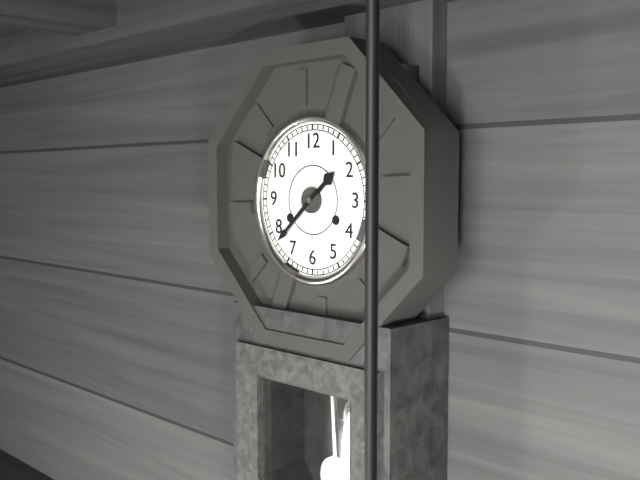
h=1 m=38
